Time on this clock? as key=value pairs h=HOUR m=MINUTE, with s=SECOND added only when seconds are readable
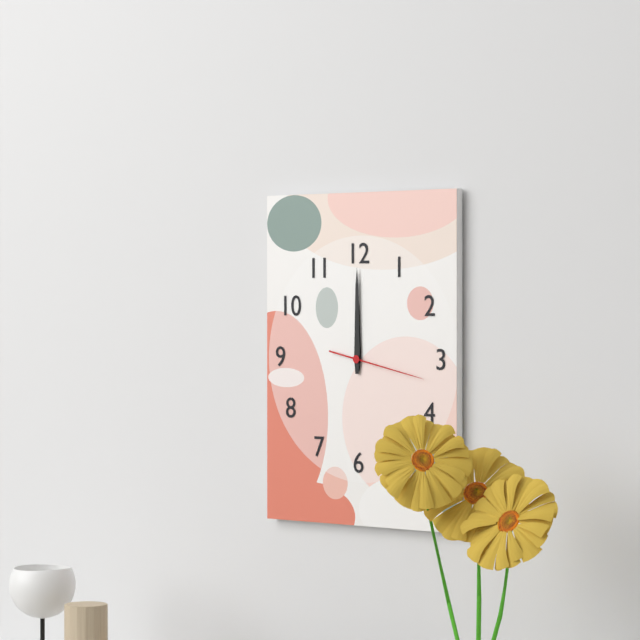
h=12 m=0 s=17
